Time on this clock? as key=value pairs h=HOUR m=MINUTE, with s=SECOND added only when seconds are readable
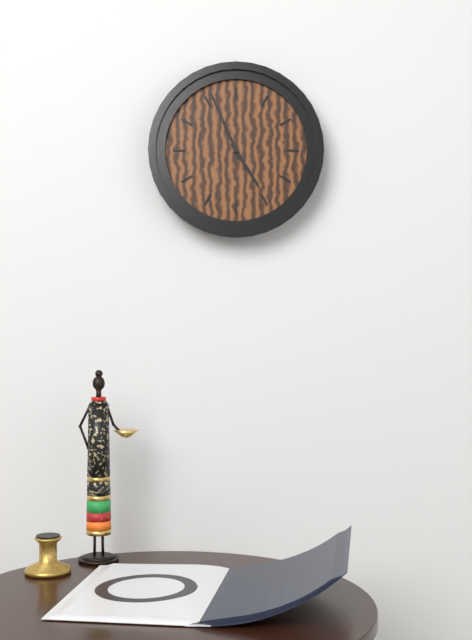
h=4 m=56
